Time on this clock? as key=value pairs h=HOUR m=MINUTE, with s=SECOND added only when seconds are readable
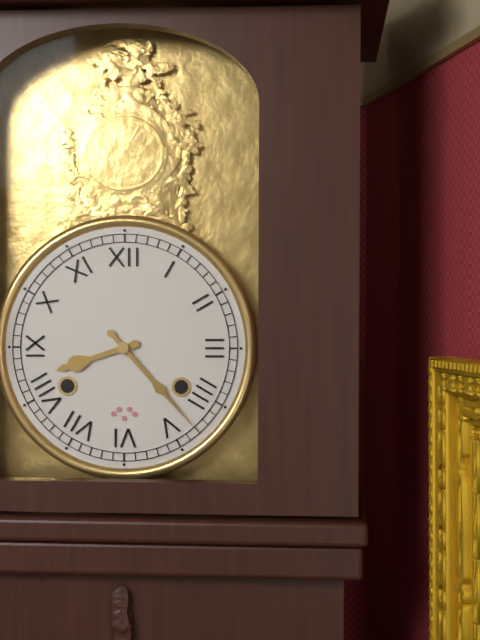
h=8 m=23
